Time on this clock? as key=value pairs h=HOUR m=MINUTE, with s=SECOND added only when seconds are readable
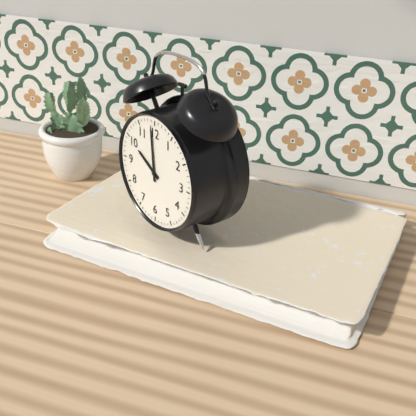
h=9 m=59
